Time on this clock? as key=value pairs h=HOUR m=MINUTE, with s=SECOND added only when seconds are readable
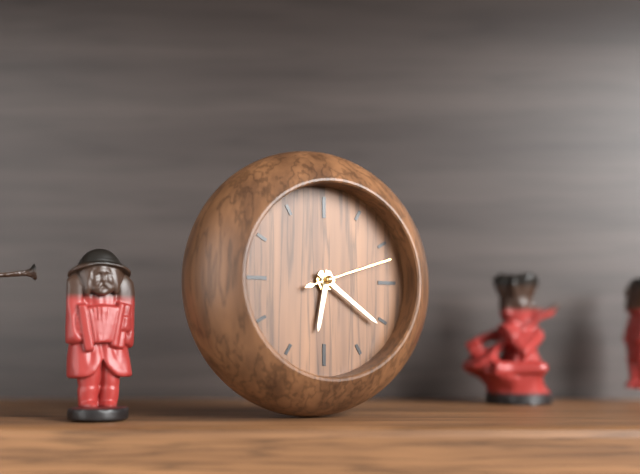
h=6 m=21 s=12
